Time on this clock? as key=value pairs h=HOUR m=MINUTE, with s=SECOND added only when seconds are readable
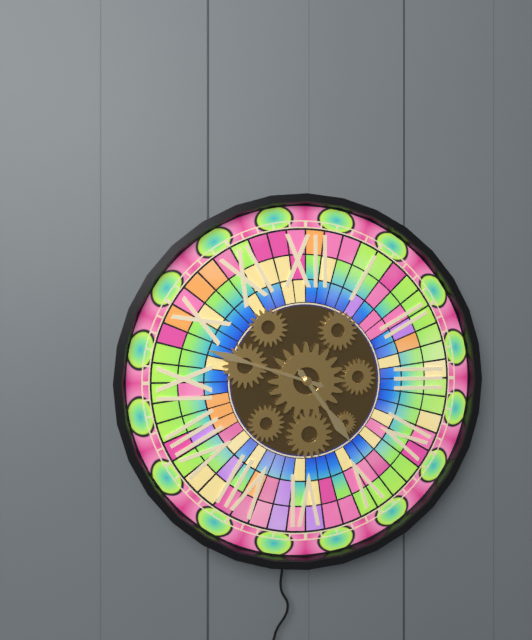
h=4 m=48
